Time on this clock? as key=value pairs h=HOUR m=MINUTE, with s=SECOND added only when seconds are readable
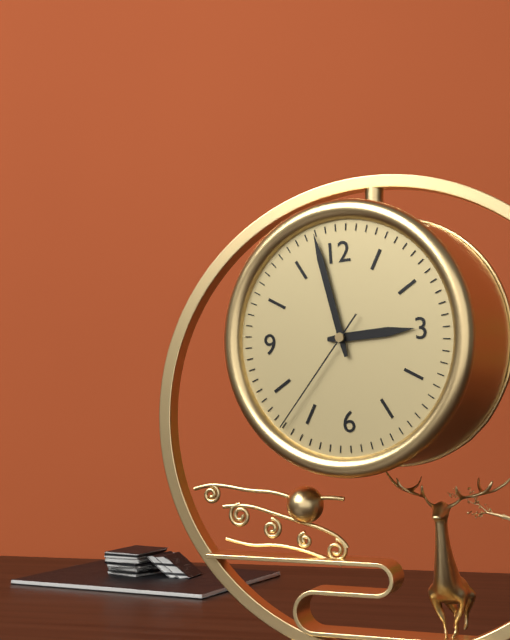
h=2 m=58 s=37
